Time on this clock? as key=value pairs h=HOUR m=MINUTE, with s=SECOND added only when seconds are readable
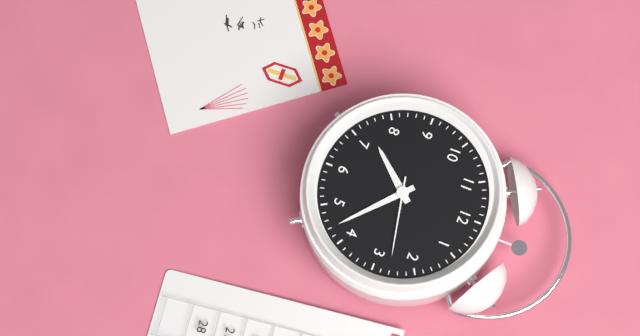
h=7 m=22 s=13
